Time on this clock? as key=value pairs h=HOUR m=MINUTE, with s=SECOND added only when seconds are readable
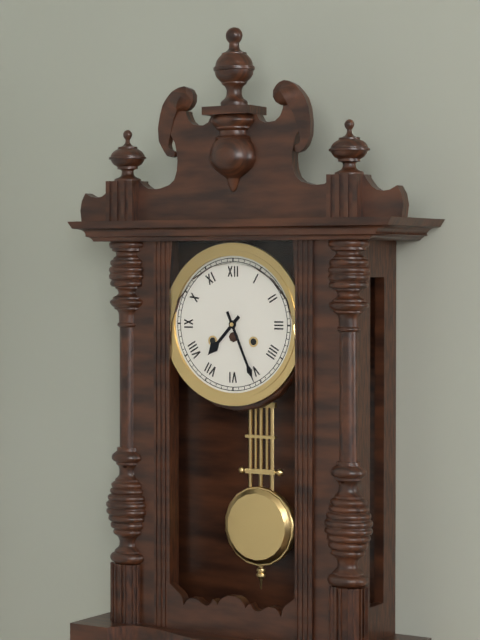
h=7 m=26
